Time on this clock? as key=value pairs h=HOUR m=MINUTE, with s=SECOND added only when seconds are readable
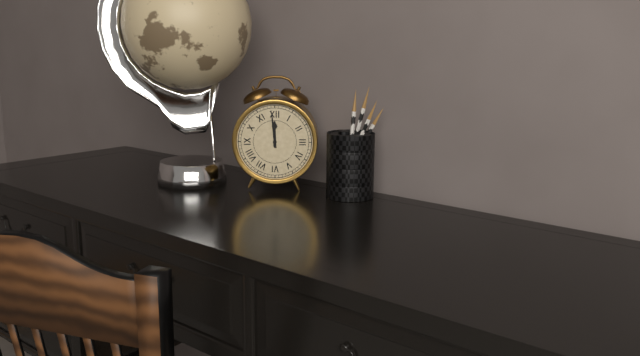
h=11 m=59
